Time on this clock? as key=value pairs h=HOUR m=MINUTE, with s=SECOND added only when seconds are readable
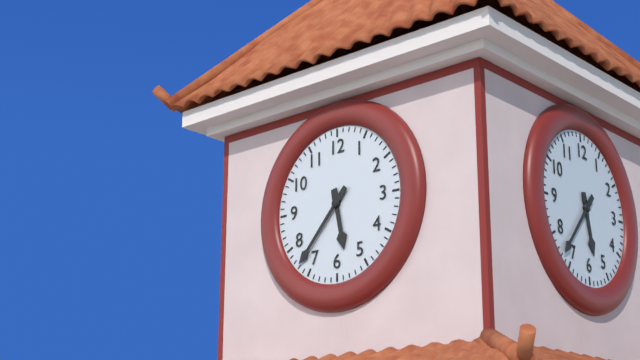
h=5 m=37
